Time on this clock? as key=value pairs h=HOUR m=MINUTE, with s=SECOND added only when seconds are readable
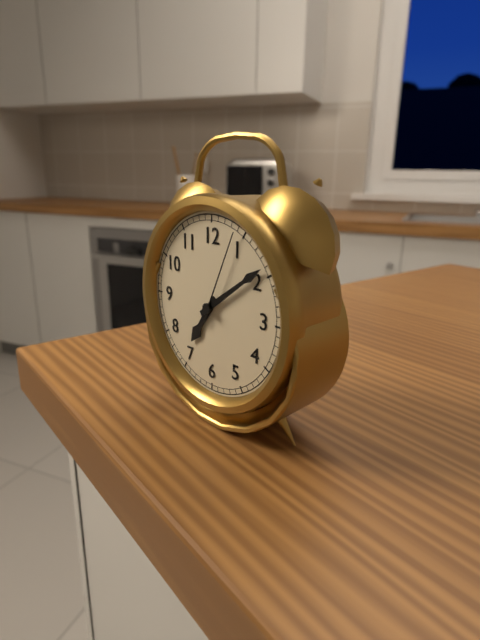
h=7 m=9 s=4
